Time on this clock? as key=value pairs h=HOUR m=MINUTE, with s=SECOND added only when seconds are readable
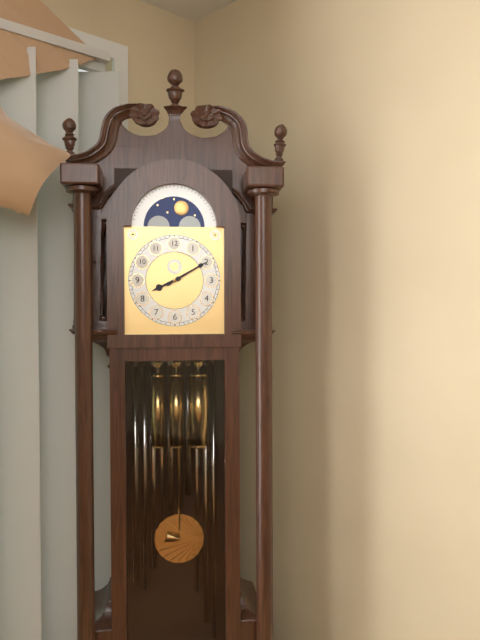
h=8 m=10
